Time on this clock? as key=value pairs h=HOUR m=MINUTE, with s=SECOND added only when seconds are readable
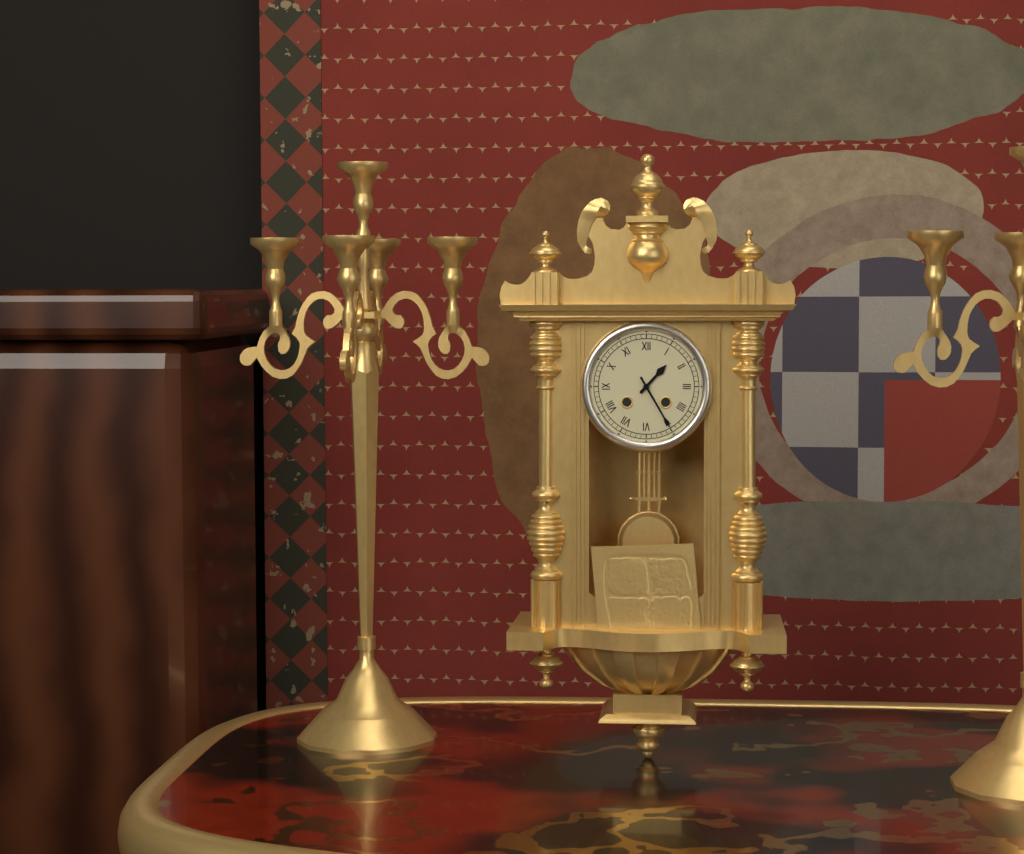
h=1 m=25
